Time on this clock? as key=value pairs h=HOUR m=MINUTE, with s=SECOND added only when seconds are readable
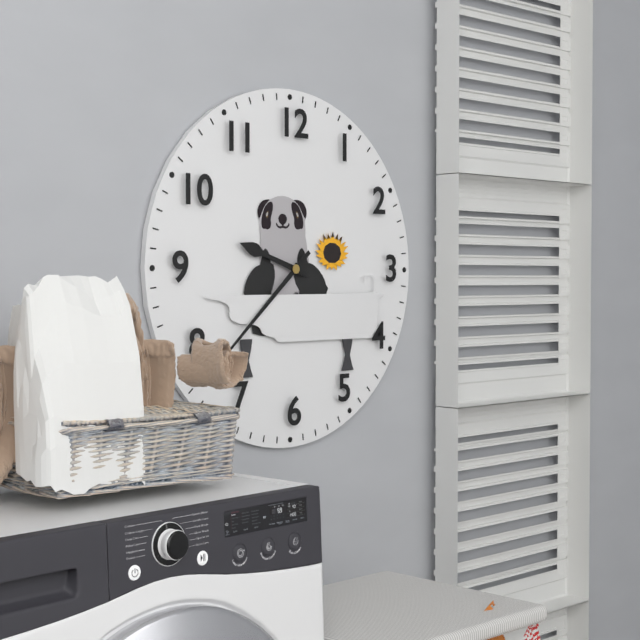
h=9 m=38
